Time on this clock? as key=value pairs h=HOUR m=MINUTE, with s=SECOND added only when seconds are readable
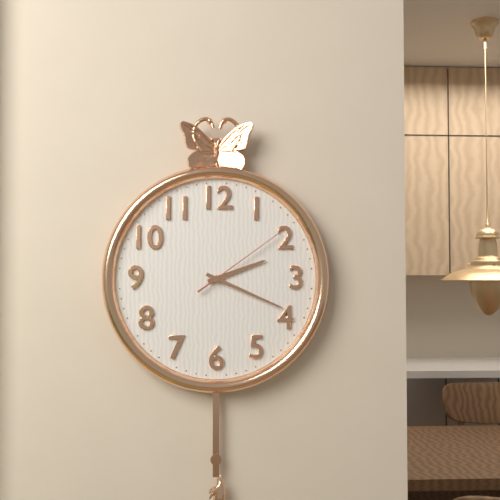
h=2 m=19 s=9
